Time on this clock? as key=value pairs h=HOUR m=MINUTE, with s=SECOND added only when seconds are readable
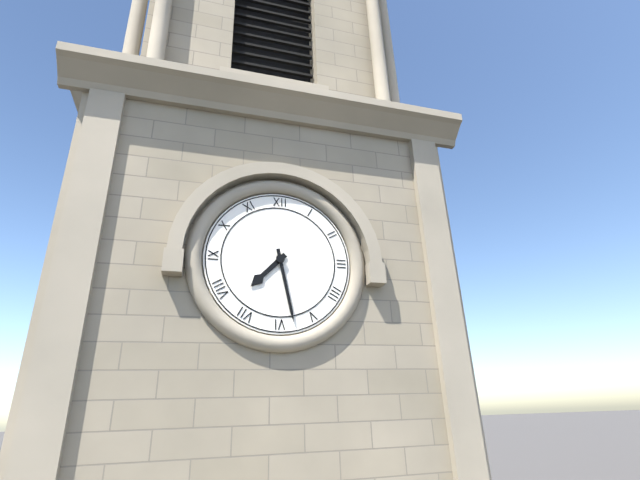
h=7 m=28
